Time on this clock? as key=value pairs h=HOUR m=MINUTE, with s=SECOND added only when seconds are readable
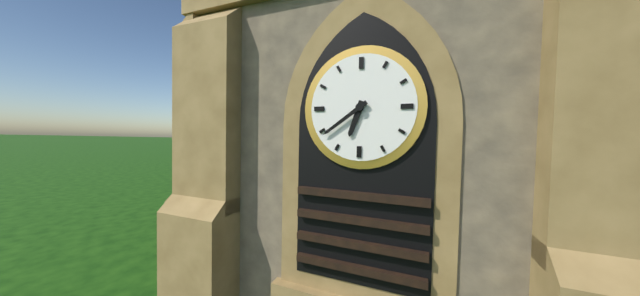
h=6 m=39
